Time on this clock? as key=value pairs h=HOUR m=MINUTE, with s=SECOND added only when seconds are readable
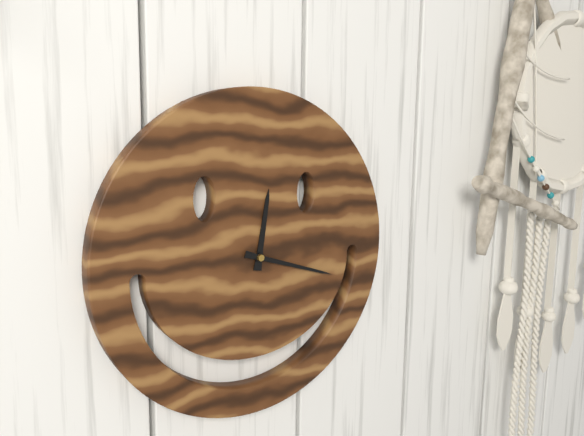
h=12 m=18
